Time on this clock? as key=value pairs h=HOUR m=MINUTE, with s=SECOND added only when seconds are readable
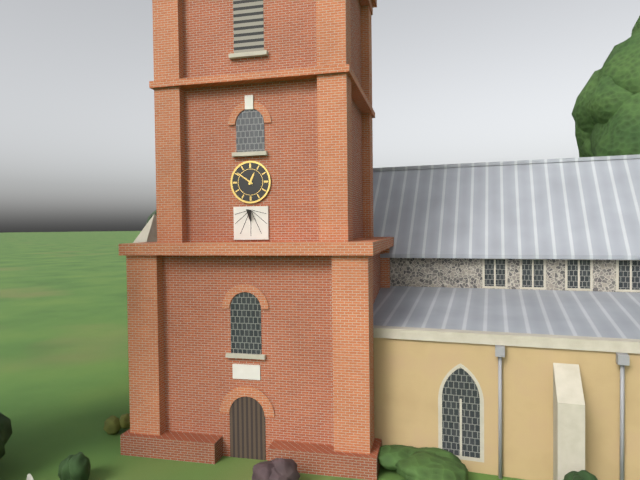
h=12 m=51
